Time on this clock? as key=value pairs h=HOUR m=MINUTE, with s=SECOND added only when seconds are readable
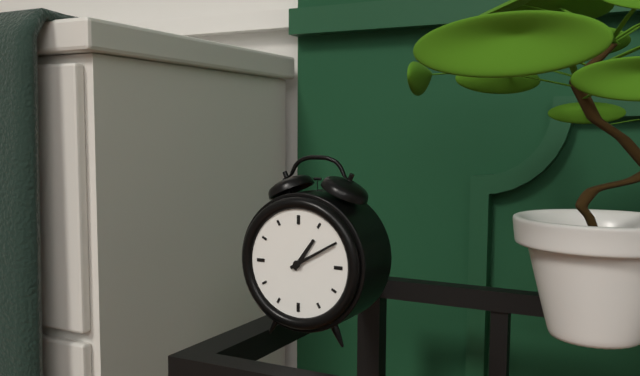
h=1 m=10
